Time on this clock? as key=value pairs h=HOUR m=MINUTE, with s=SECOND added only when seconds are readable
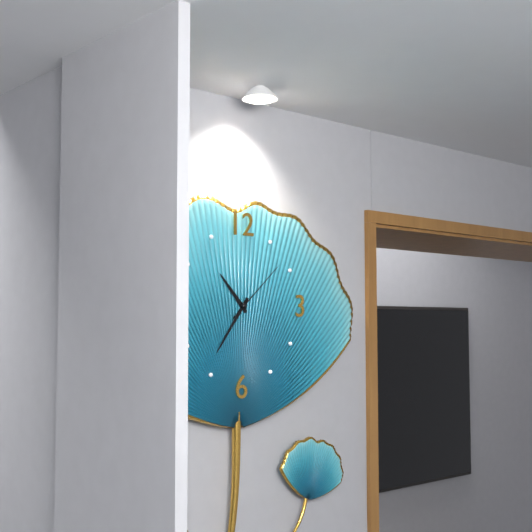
h=10 m=36 s=8
